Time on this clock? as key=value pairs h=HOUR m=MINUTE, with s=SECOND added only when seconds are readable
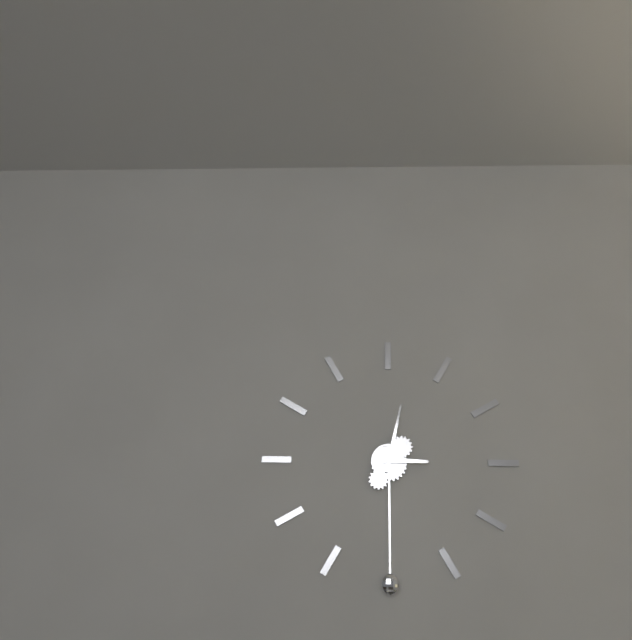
h=3 m=2
